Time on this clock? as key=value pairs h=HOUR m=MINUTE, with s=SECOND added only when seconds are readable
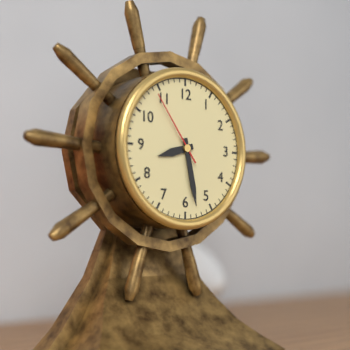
h=8 m=28 s=54
